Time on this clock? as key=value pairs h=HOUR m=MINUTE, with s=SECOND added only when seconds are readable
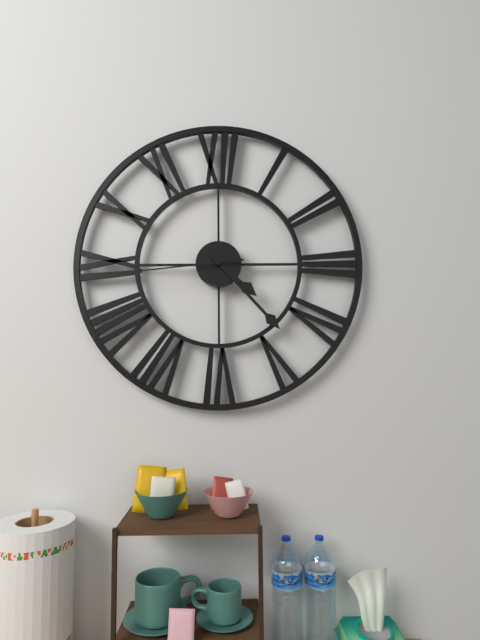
h=4 m=23 s=44
